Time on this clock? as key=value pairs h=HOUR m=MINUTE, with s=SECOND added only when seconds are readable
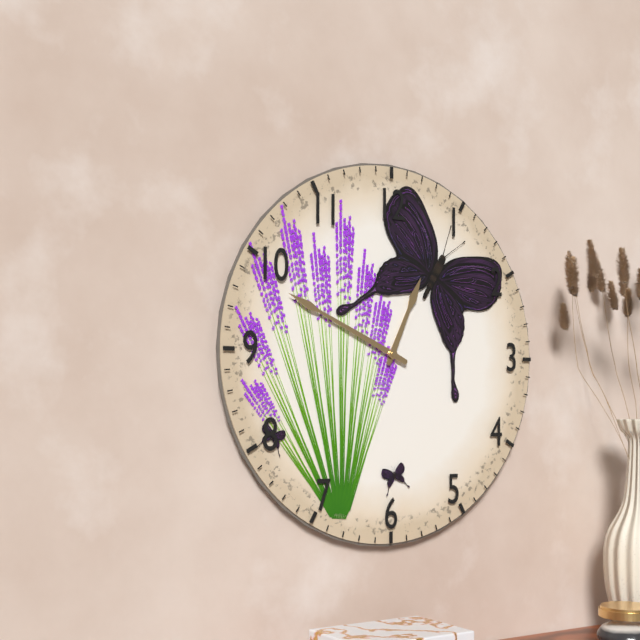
h=12 m=49
